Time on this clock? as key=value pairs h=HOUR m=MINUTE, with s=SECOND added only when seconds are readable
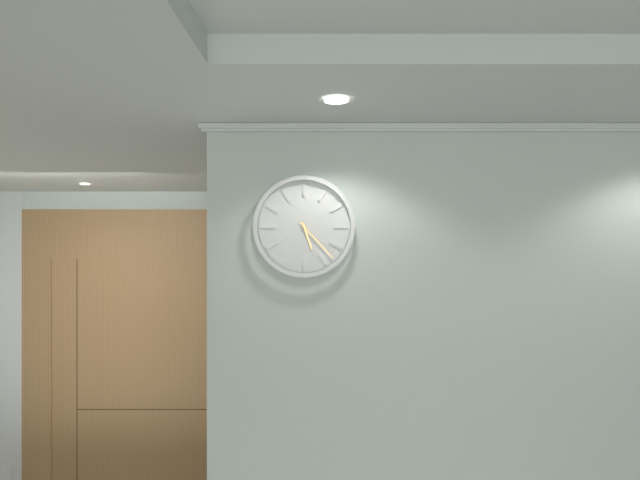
h=5 m=23
